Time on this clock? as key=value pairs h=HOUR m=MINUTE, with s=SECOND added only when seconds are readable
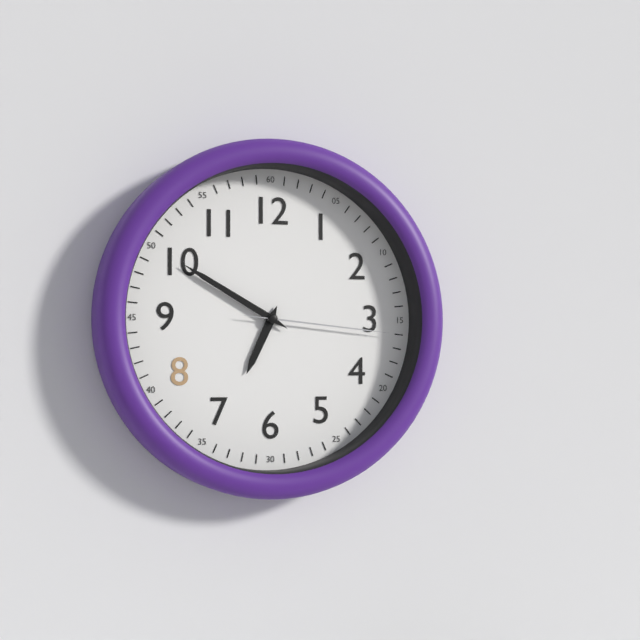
h=6 m=50 s=16
